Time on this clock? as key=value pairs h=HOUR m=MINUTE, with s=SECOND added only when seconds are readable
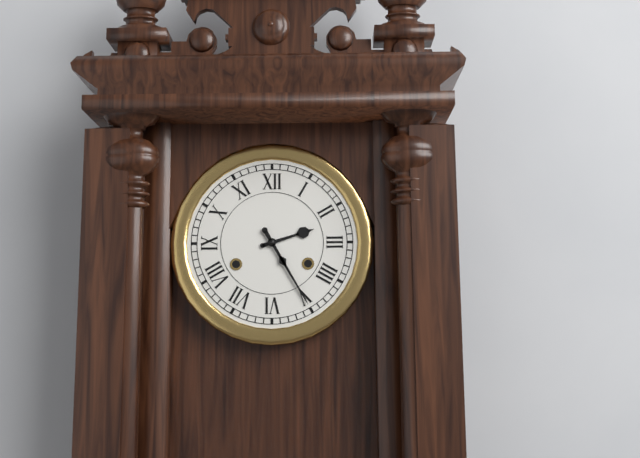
h=2 m=25
